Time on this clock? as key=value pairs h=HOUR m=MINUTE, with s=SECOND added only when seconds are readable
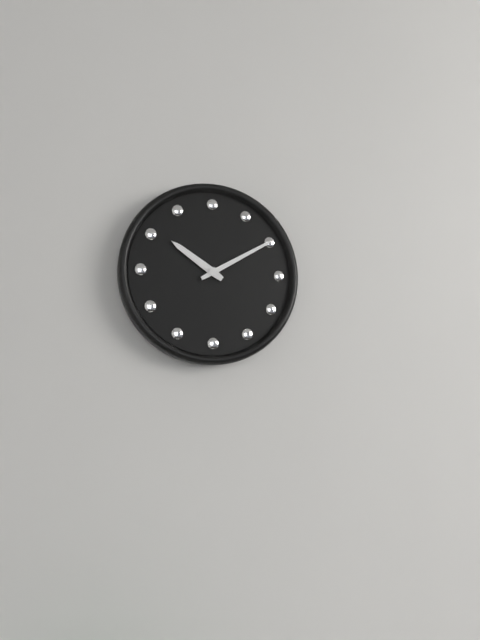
h=10 m=10
